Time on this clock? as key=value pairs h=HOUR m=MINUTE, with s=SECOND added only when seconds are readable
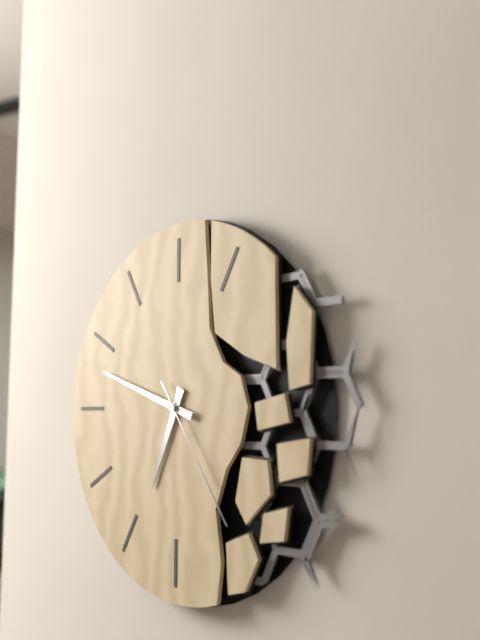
h=6 m=48 s=24
